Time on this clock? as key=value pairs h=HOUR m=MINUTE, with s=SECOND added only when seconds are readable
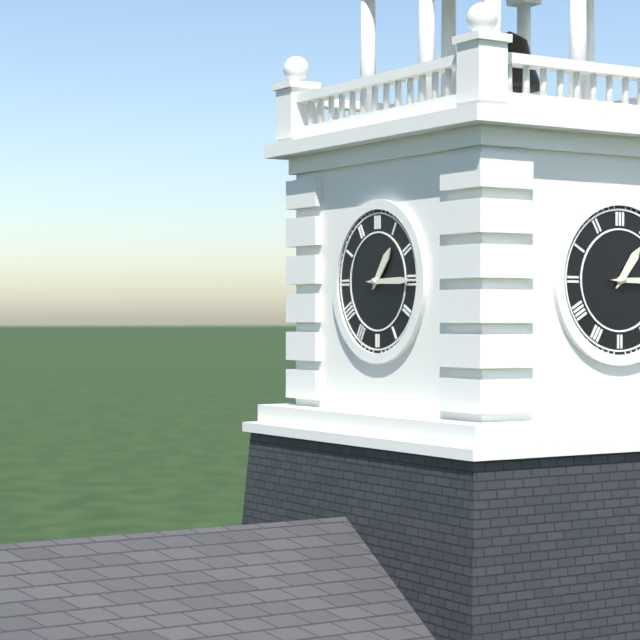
h=1 m=15
